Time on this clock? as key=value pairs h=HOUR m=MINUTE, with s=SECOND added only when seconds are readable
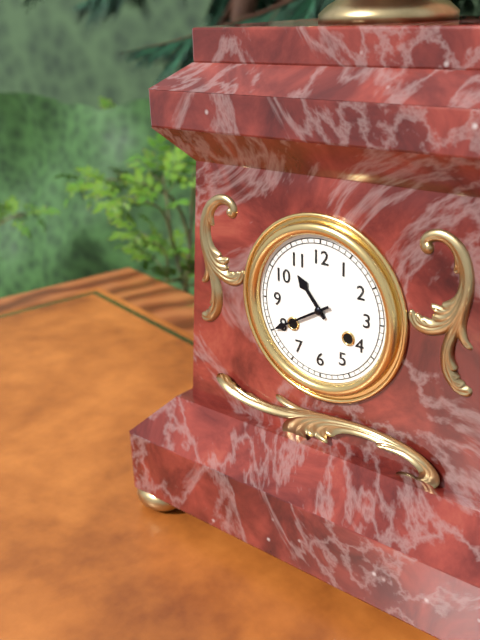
h=10 m=40
